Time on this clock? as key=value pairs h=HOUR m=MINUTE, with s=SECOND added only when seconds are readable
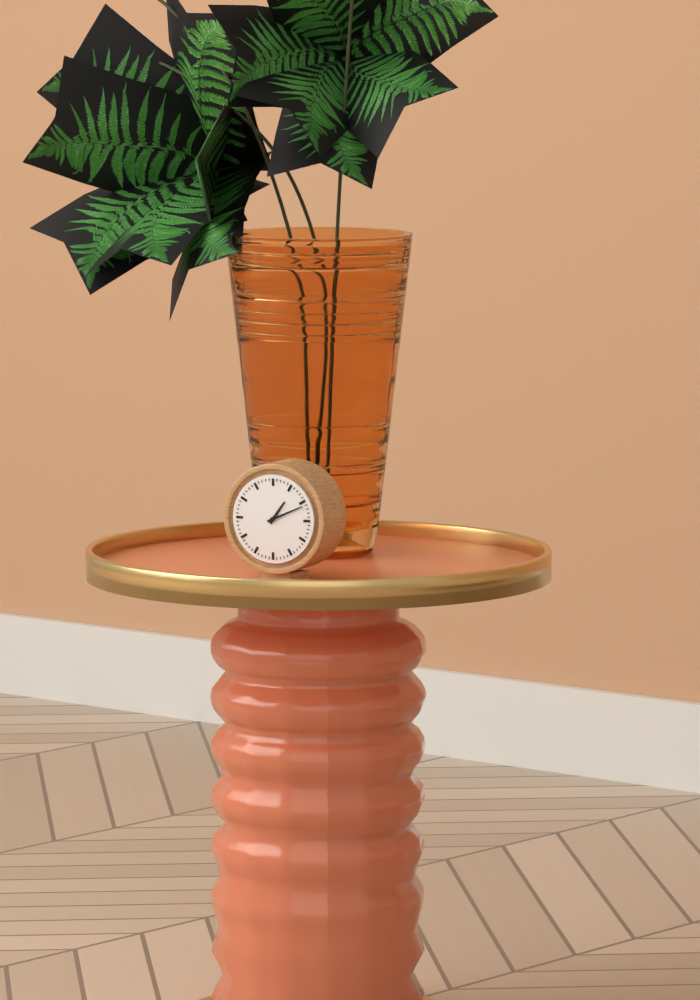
h=1 m=11
